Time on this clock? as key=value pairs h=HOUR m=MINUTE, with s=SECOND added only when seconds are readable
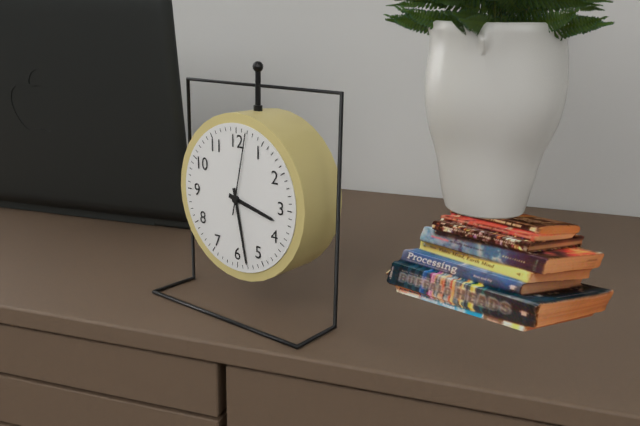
h=3 m=28 s=2
